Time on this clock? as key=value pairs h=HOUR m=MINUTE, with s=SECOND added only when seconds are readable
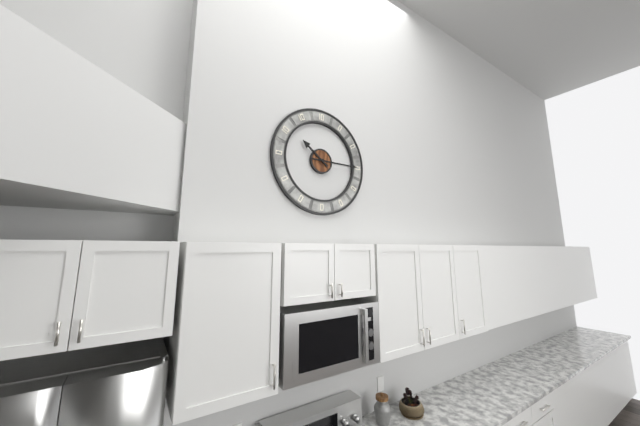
h=10 m=15
